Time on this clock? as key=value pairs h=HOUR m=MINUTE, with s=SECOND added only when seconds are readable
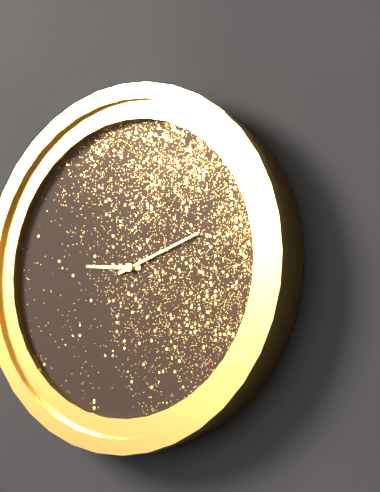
h=9 m=12
